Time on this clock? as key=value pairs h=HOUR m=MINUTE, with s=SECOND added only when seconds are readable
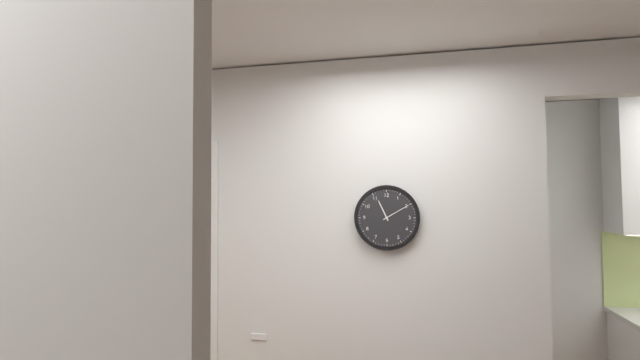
h=11 m=10
